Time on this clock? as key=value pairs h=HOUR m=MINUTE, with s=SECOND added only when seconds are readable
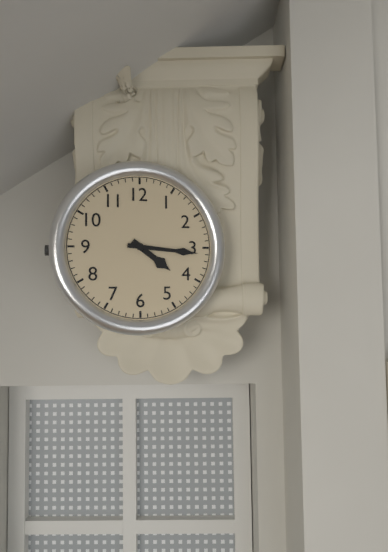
h=4 m=16
